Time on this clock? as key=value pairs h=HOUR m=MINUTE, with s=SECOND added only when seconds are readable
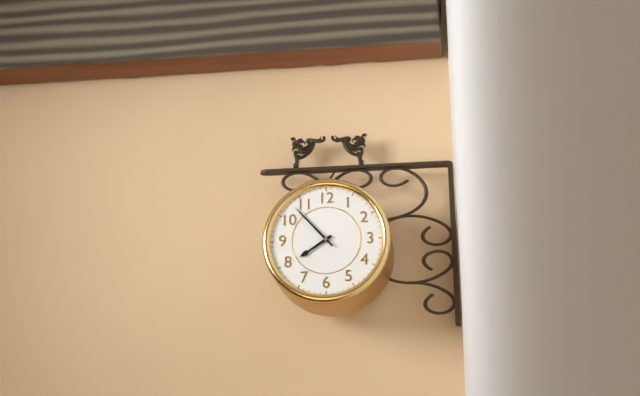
h=7 m=53
